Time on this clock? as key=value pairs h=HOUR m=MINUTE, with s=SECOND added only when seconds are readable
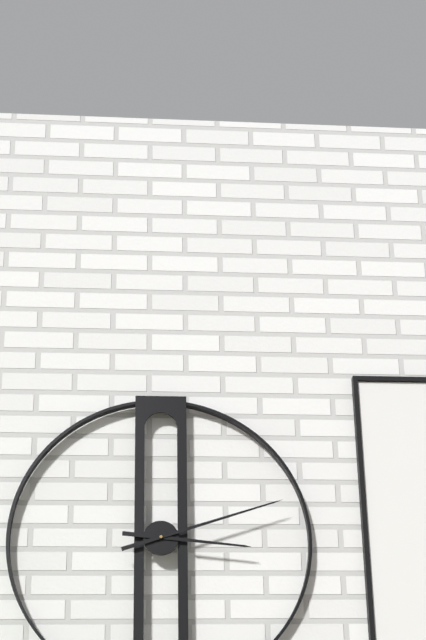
h=3 m=12
